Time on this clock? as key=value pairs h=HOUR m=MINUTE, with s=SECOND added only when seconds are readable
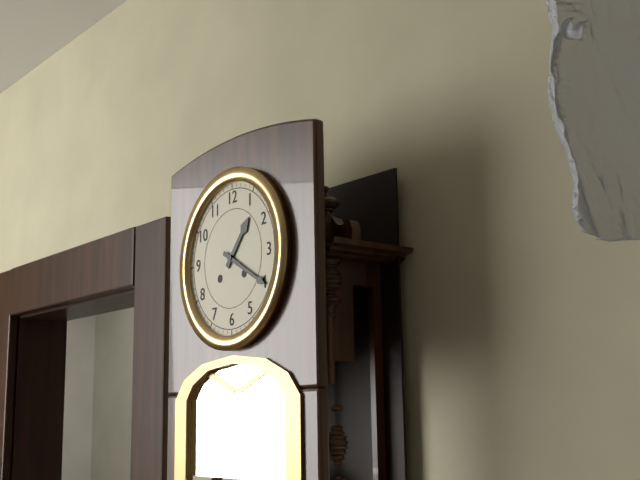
h=1 m=20
